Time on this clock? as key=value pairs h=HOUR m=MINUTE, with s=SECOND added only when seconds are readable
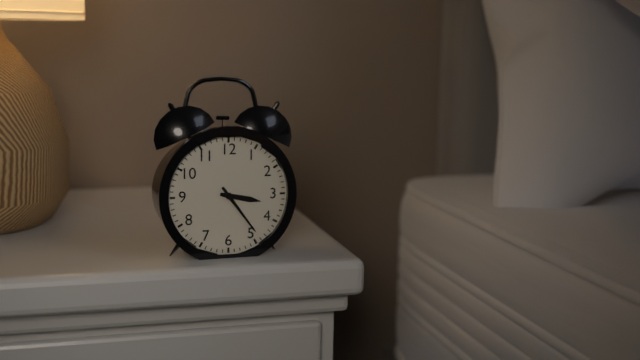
h=3 m=24
